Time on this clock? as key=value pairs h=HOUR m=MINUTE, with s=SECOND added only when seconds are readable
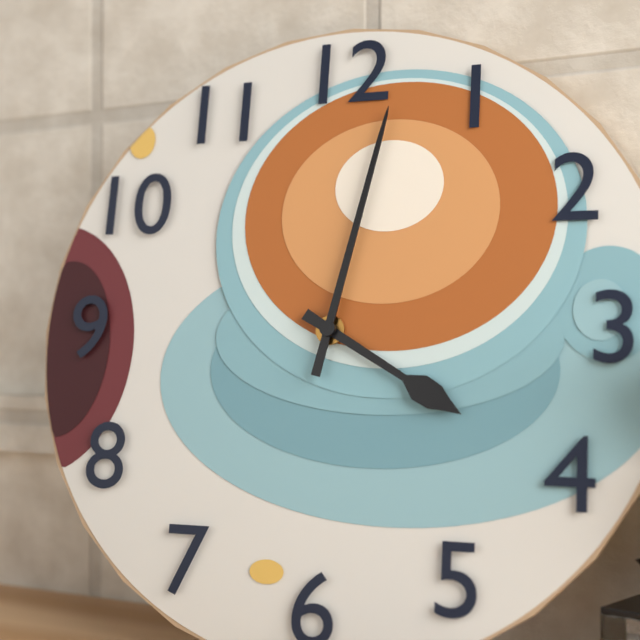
h=4 m=2
